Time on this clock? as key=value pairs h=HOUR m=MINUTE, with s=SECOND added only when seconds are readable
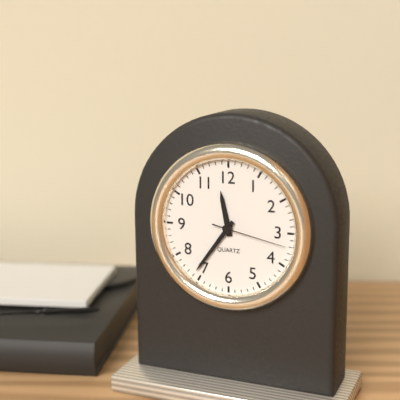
h=11 m=36 s=17
